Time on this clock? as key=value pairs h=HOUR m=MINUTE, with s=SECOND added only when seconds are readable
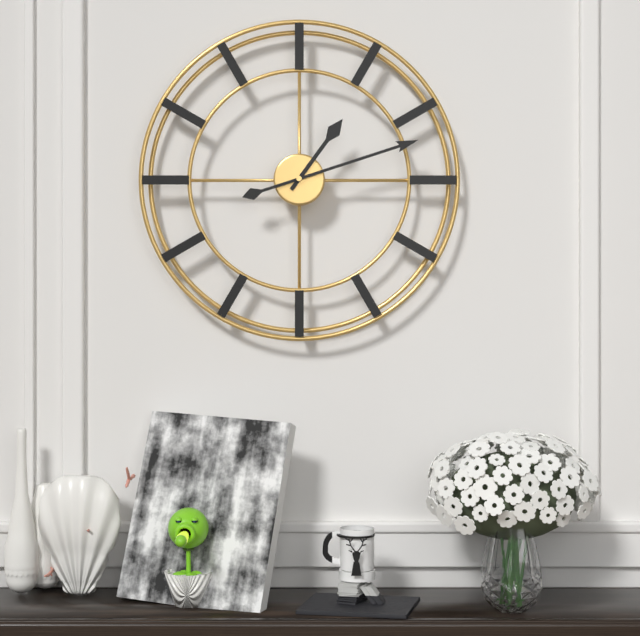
h=1 m=12
